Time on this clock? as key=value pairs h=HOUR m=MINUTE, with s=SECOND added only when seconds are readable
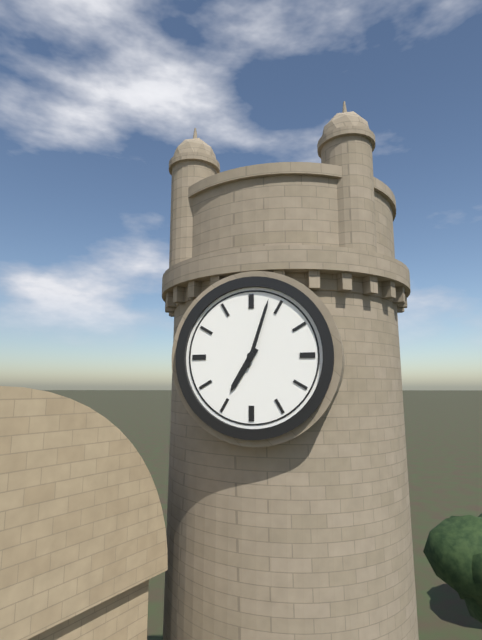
h=7 m=3
